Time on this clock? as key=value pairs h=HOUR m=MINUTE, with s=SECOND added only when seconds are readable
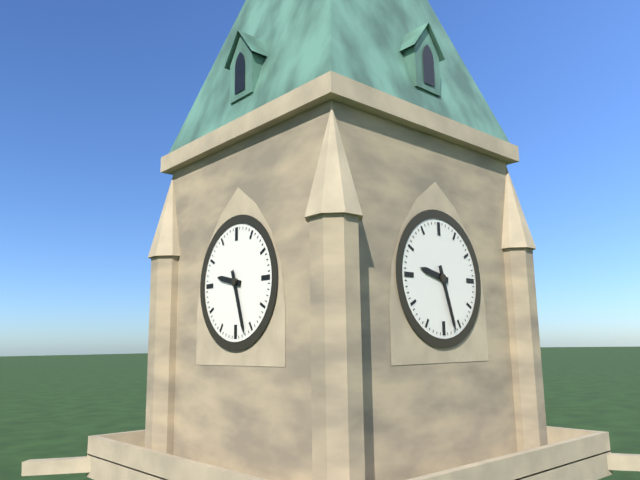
h=9 m=27
